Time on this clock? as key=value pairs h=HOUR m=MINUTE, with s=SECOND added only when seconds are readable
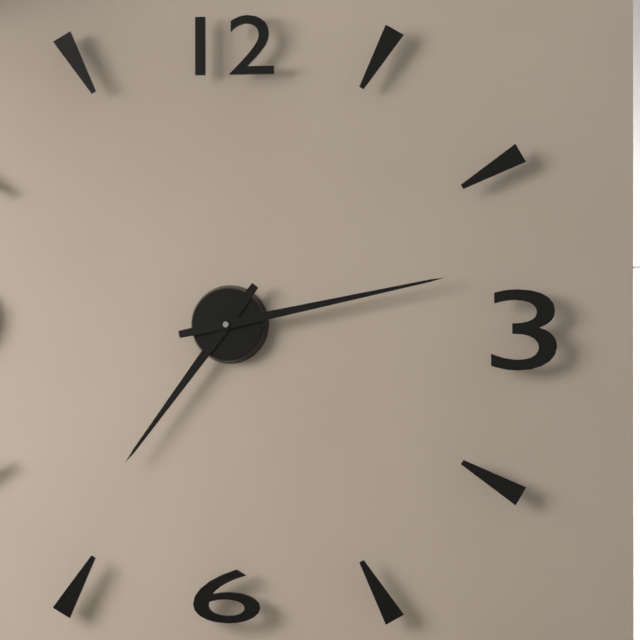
h=7 m=13
